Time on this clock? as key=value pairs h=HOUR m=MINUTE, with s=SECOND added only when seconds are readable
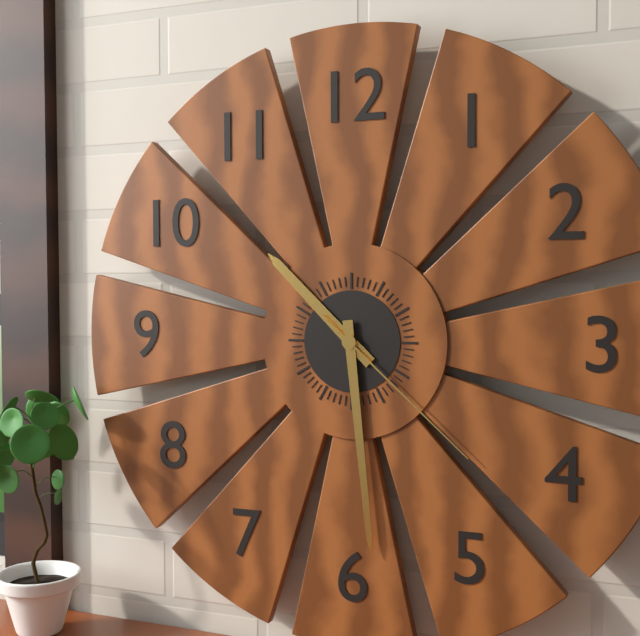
h=10 m=29 s=22
